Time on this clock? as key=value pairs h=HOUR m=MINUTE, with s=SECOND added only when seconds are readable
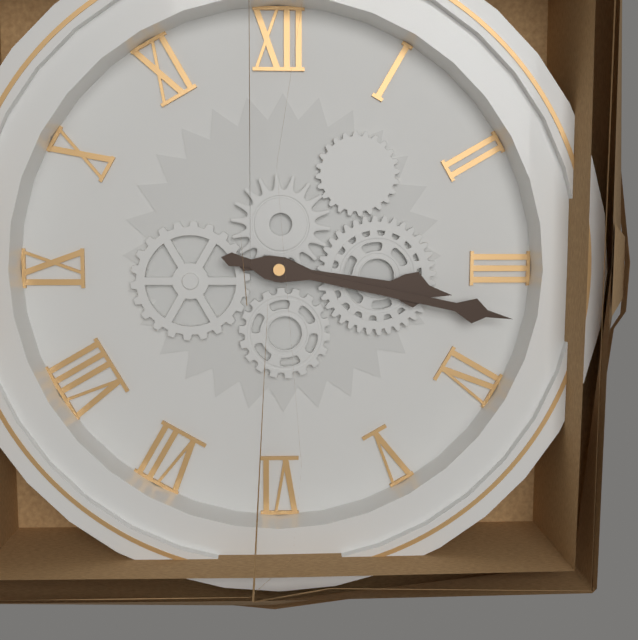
h=3 m=17
